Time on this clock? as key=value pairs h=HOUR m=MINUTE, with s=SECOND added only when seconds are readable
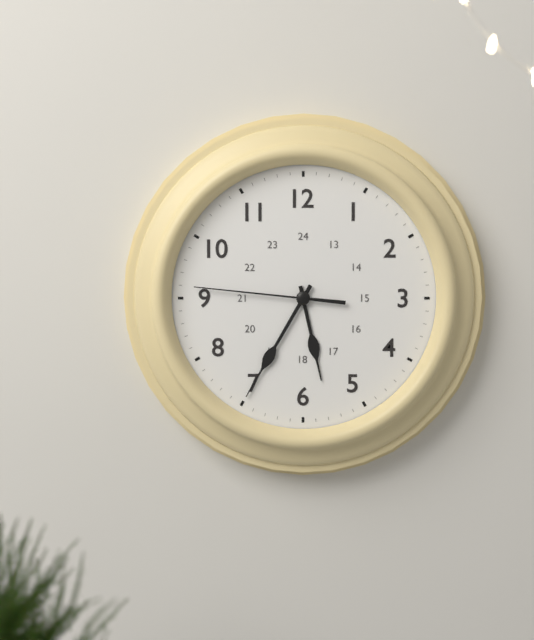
h=5 m=35 s=46
